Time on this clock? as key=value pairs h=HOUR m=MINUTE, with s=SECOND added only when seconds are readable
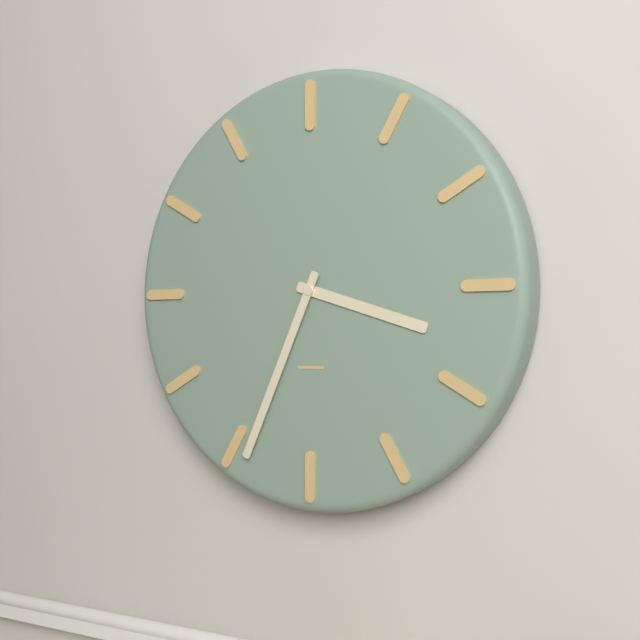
h=3 m=34
